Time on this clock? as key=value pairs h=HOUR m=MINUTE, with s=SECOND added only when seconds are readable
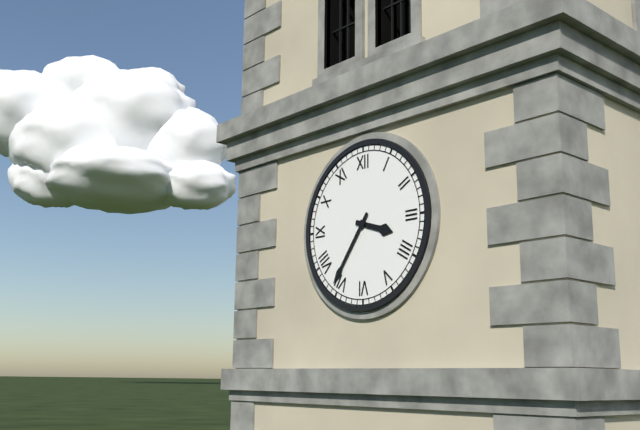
h=3 m=36
